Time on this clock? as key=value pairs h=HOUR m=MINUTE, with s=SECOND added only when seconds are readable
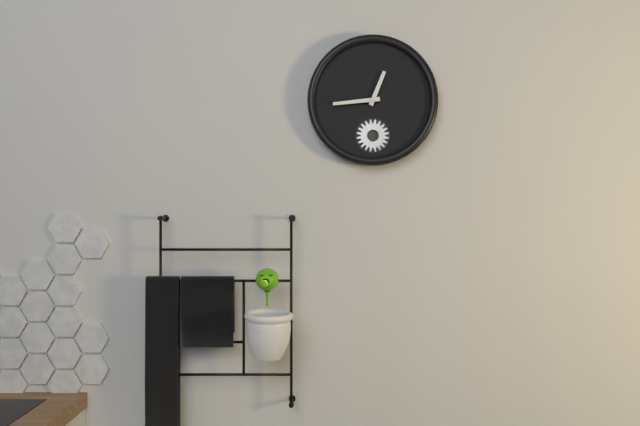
h=12 m=44
